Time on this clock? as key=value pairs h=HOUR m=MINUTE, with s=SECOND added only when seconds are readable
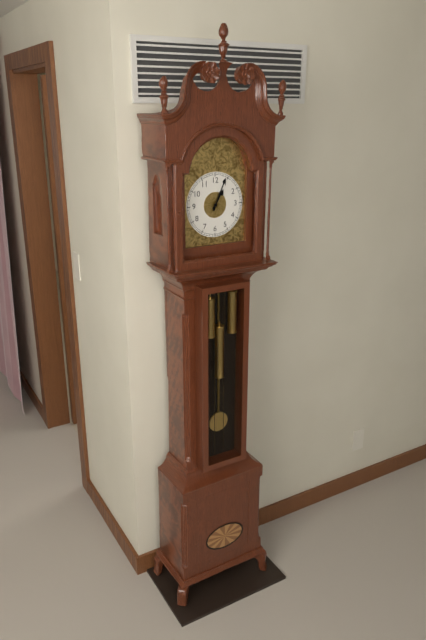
h=1 m=4
